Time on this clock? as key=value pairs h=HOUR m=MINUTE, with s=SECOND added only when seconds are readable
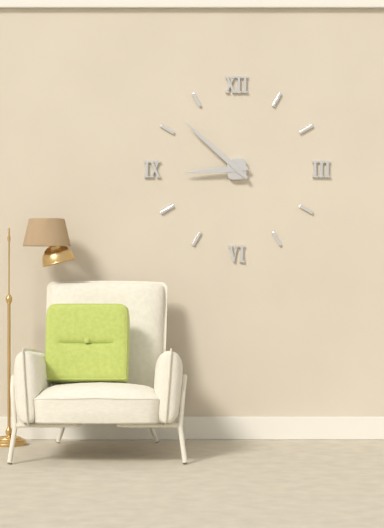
h=8 m=52
